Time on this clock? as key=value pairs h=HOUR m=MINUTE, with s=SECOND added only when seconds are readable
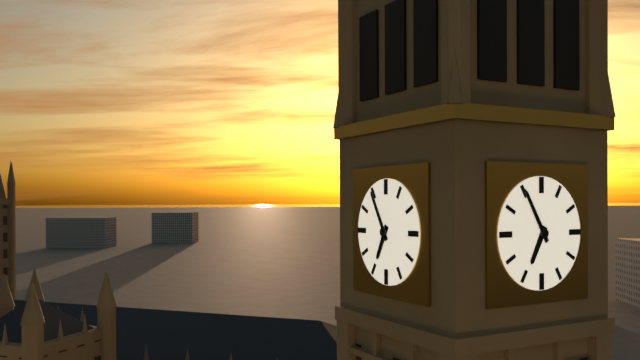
h=6 m=55
